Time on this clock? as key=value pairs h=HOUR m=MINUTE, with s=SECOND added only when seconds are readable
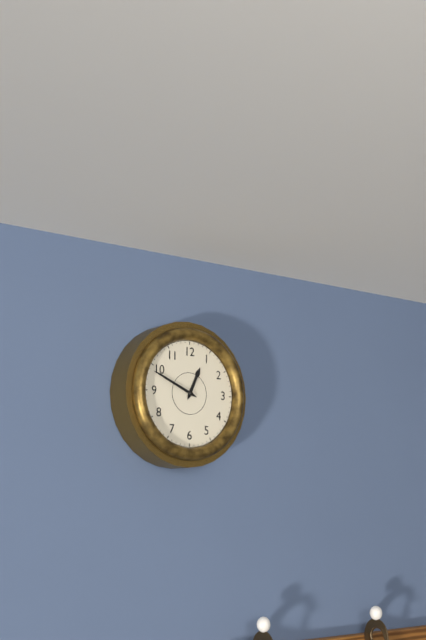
h=12 m=49
